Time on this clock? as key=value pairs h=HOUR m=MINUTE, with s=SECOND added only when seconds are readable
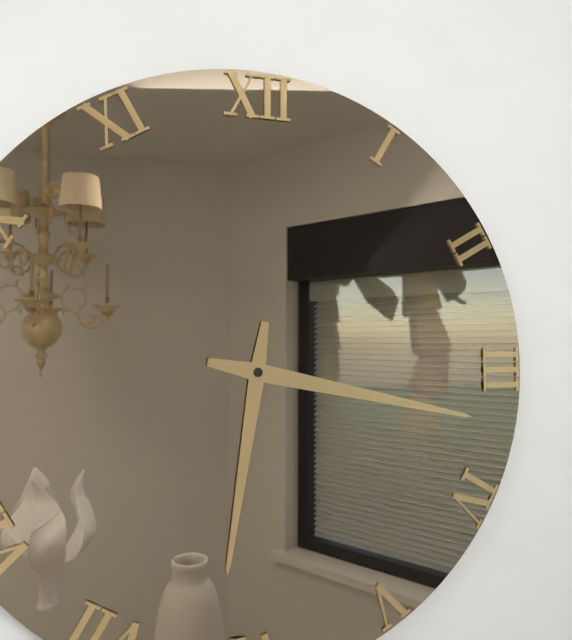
h=6 m=17
